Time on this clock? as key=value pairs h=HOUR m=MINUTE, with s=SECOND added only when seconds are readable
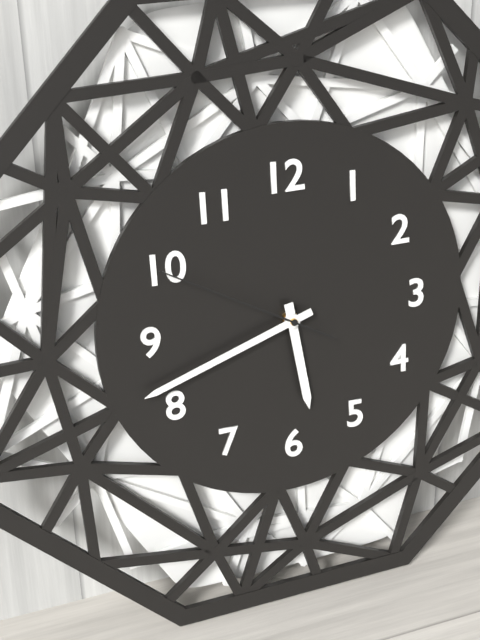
h=5 m=42 s=50
